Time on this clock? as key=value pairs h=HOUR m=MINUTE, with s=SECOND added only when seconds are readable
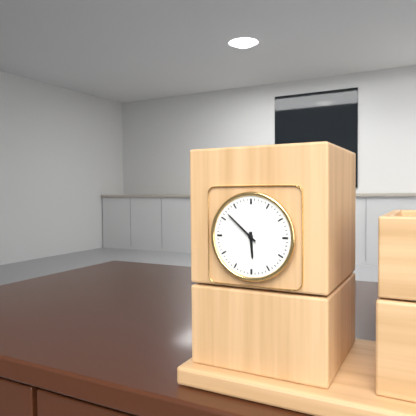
h=5 m=52
